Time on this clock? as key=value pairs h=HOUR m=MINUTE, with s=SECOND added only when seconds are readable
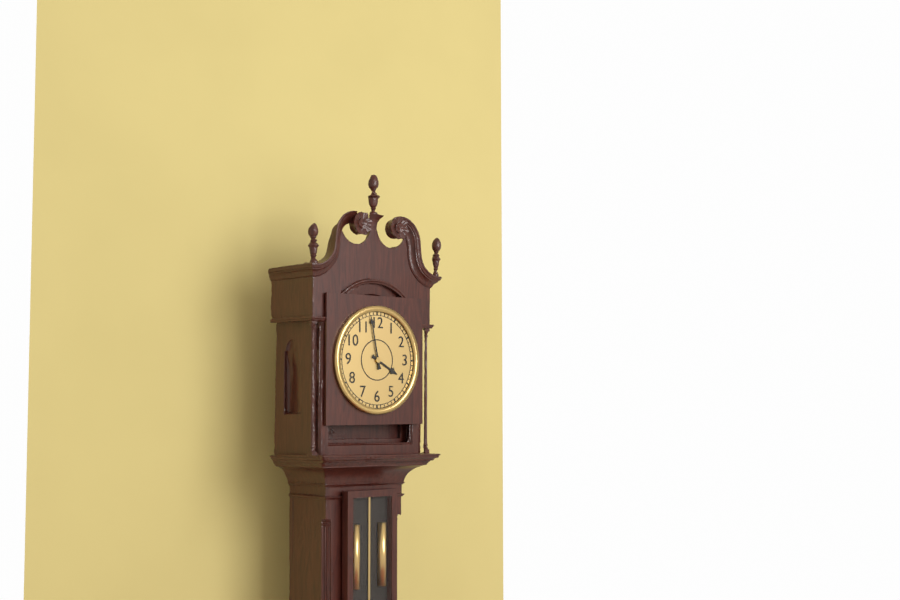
h=3 m=58
